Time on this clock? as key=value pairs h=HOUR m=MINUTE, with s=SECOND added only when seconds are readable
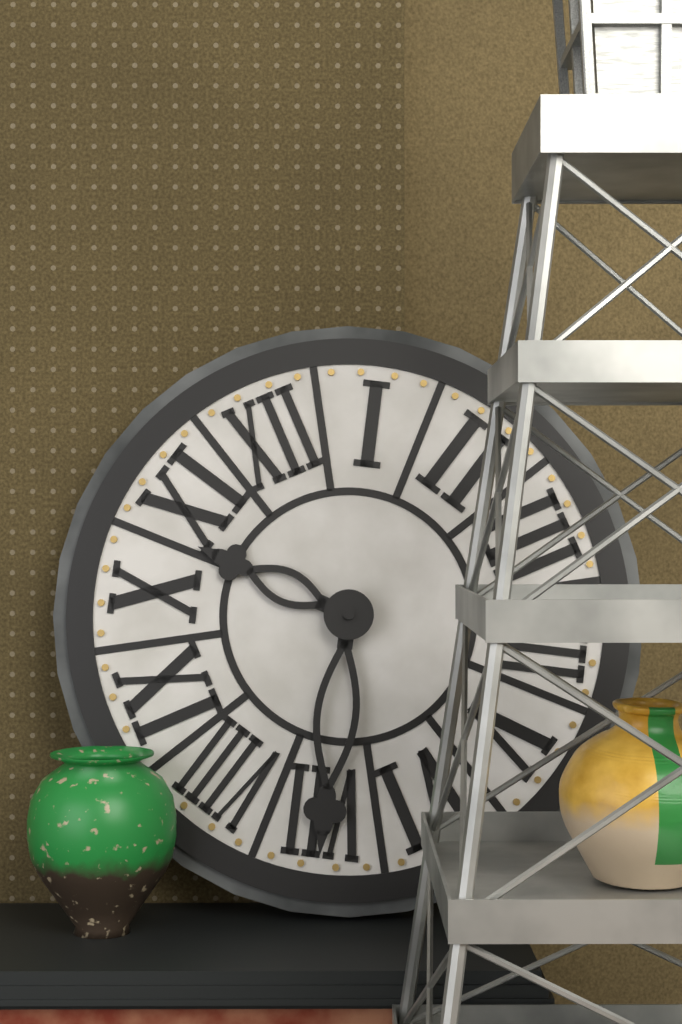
h=10 m=35
